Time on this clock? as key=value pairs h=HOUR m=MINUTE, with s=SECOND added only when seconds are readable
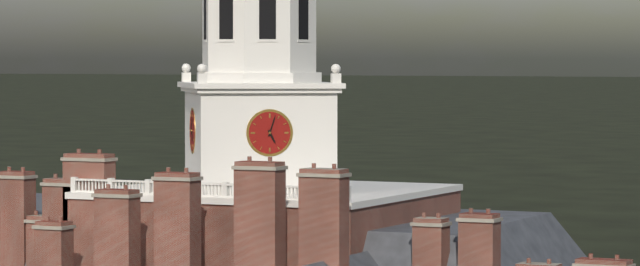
h=5 m=3
